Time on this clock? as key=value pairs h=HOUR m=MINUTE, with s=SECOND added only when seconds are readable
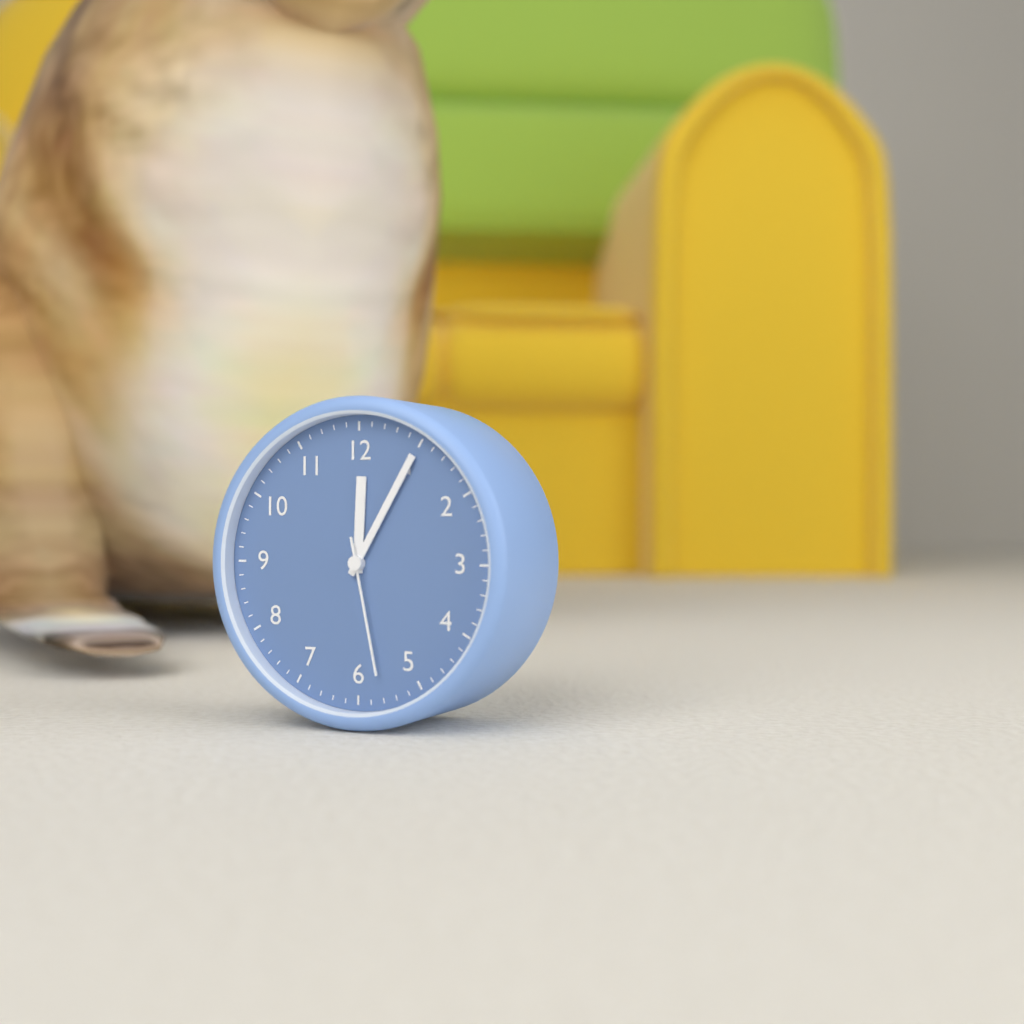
h=12 m=5 s=28
